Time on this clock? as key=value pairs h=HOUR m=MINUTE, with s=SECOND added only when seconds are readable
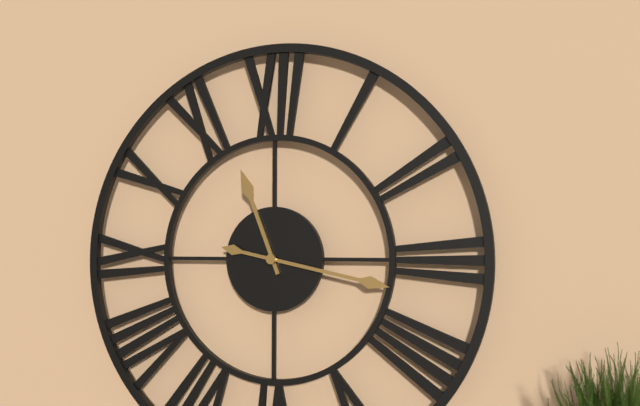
h=11 m=17
